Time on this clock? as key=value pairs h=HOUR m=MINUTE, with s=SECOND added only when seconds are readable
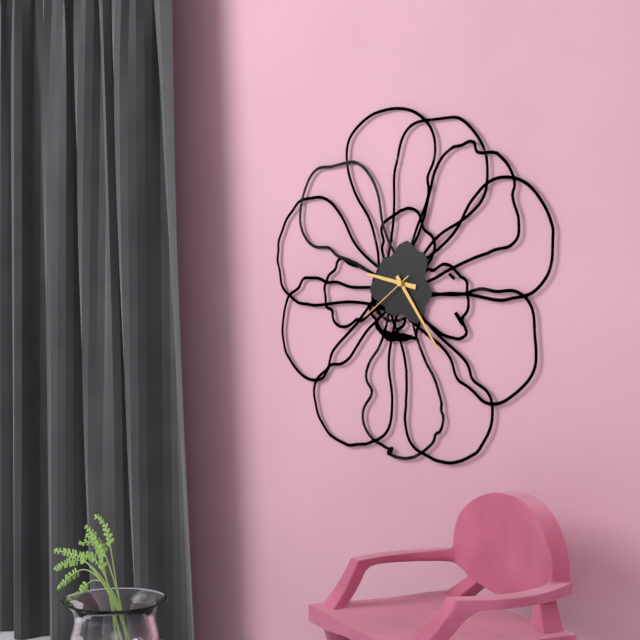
h=9 m=24 s=39
